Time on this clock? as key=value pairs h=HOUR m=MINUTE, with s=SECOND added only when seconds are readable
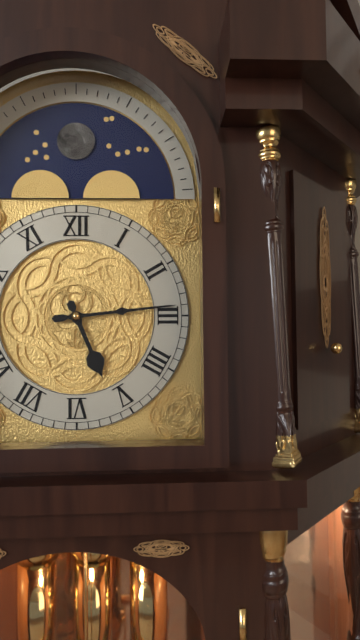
h=5 m=14
